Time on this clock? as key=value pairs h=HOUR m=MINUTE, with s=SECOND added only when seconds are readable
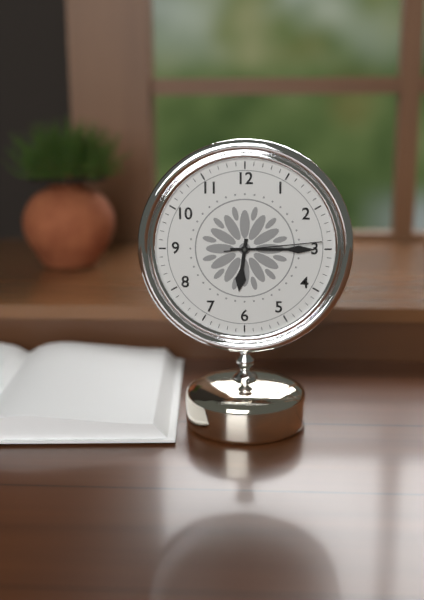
h=6 m=15 s=14
